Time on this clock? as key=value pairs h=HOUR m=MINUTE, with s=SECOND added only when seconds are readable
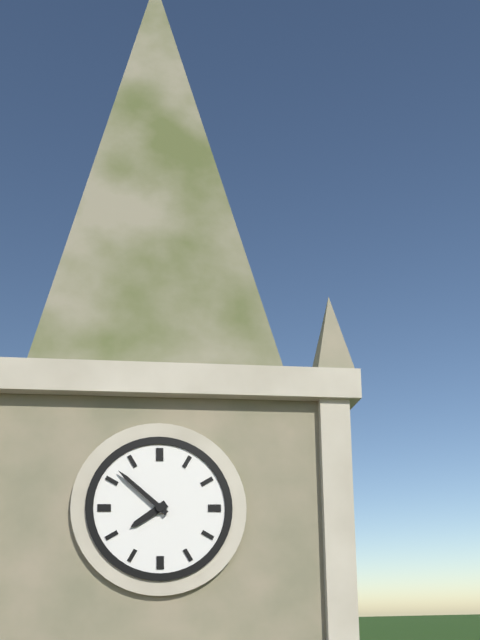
h=7 m=52
